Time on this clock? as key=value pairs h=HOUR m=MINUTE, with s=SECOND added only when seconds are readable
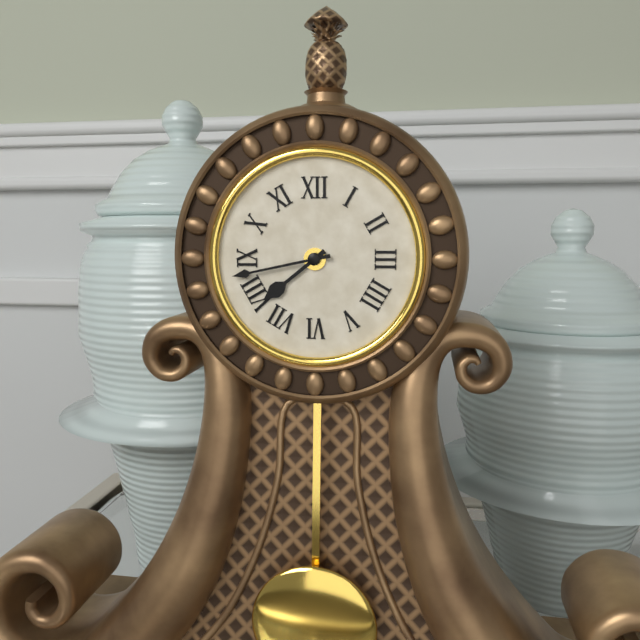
h=7 m=43
